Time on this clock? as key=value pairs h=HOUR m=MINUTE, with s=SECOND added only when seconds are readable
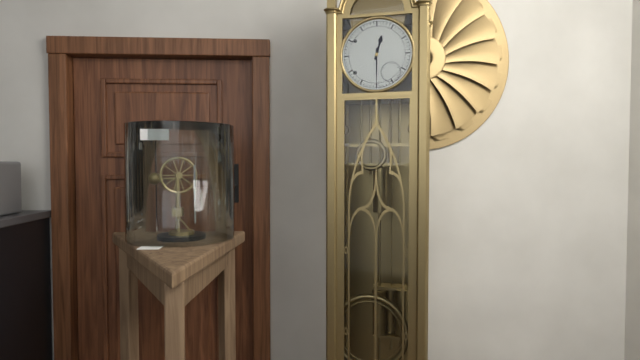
h=12 m=30
